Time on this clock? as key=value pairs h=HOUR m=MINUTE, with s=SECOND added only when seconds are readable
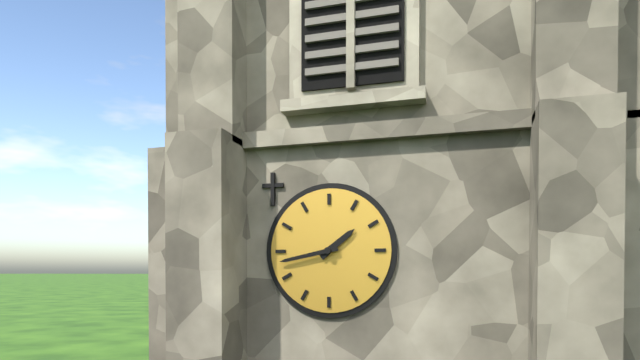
h=1 m=43
